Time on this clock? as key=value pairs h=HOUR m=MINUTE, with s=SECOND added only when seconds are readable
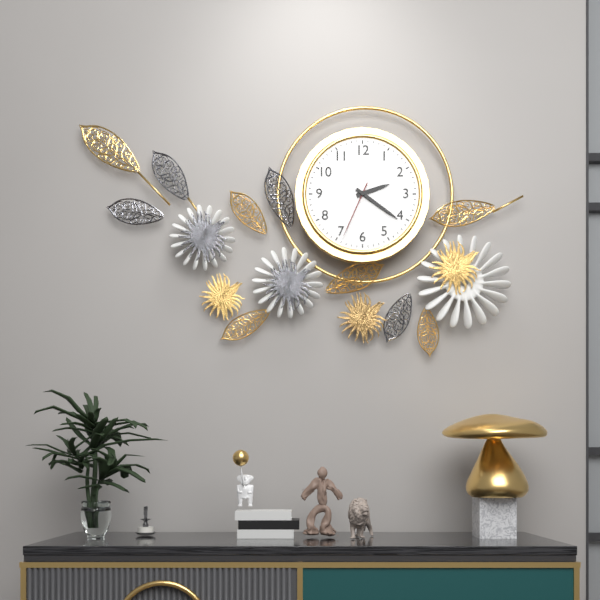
h=2 m=21 s=34
